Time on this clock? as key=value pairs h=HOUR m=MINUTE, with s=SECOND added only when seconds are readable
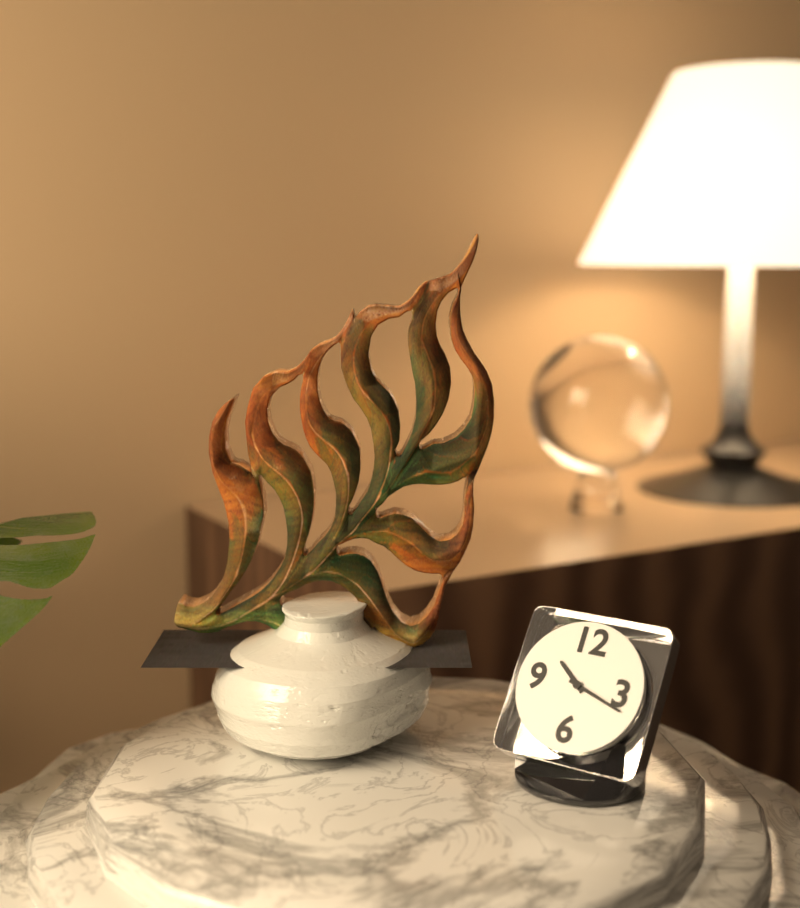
h=10 m=18
